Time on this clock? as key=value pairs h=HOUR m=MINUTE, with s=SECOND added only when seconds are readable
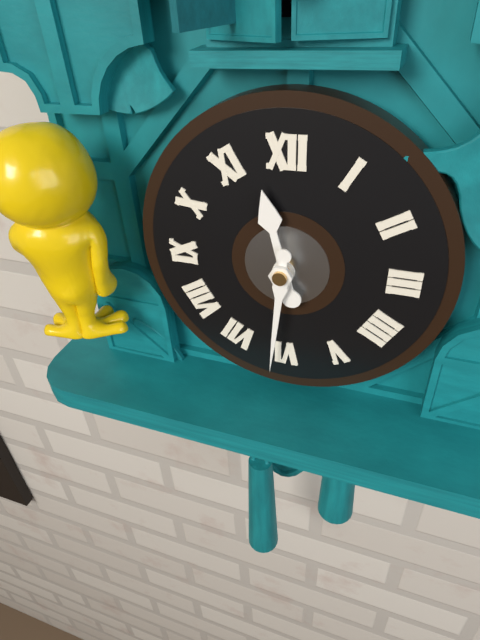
h=11 m=31
